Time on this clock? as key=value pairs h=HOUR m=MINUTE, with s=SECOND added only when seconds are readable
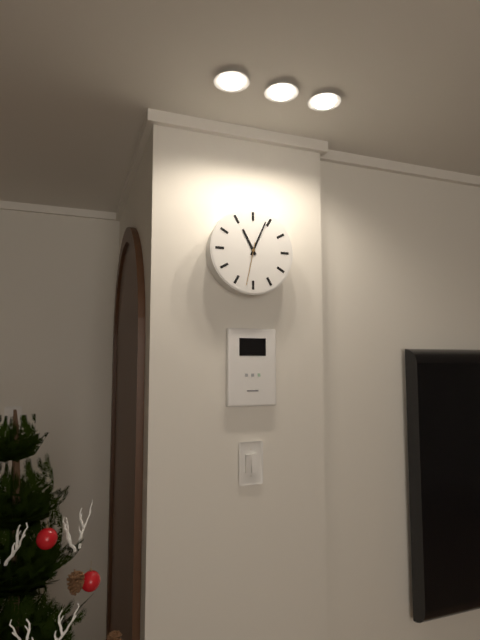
h=11 m=4
